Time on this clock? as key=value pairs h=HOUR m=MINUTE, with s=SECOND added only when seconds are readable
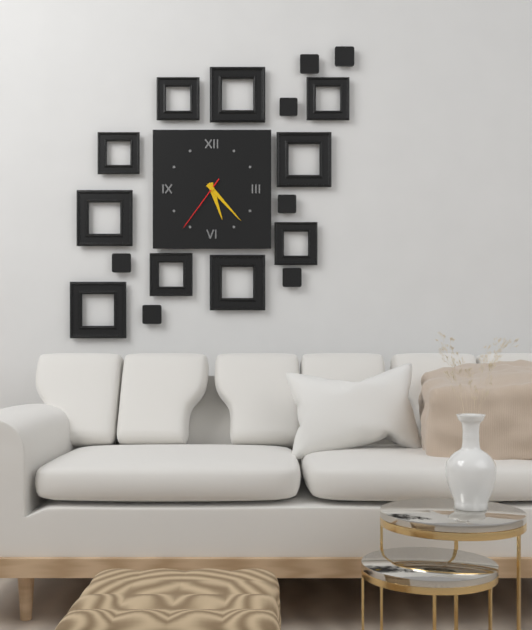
h=5 m=23 s=36
